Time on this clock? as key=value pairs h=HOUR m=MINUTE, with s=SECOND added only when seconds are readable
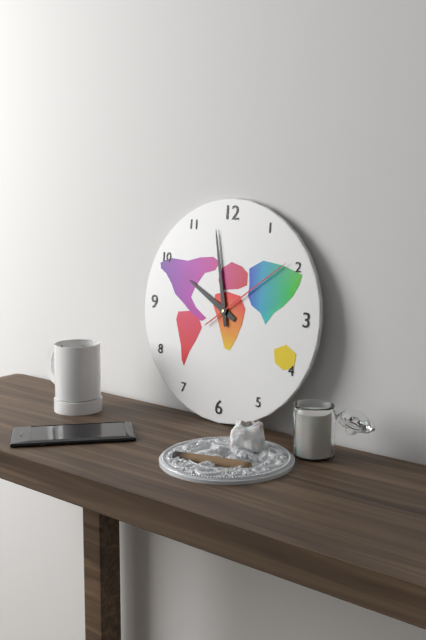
h=9 m=58 s=9
